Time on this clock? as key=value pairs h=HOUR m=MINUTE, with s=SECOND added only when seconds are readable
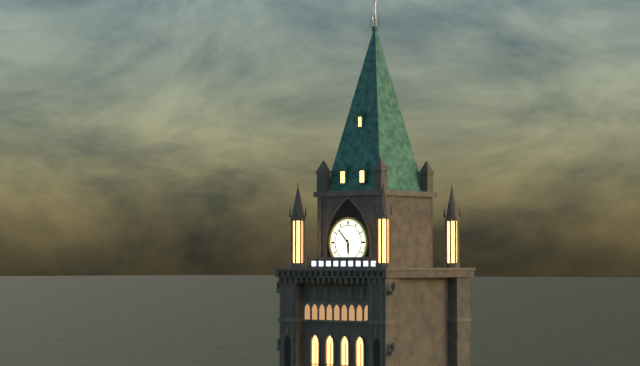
h=5 m=53
